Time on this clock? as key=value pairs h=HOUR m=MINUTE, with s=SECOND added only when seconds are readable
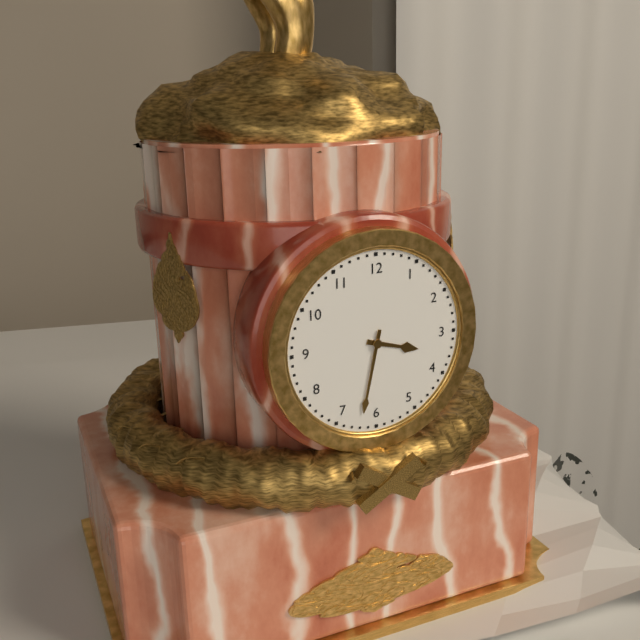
h=3 m=32
